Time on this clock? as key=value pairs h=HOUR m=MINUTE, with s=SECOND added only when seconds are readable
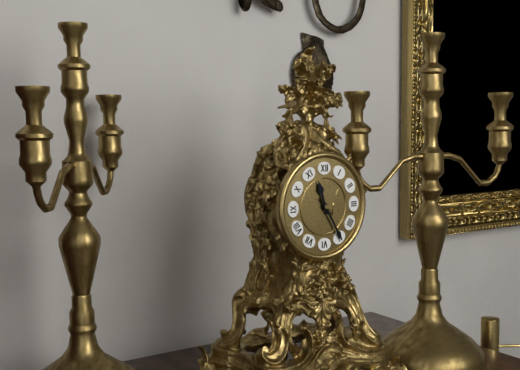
h=11 m=25
